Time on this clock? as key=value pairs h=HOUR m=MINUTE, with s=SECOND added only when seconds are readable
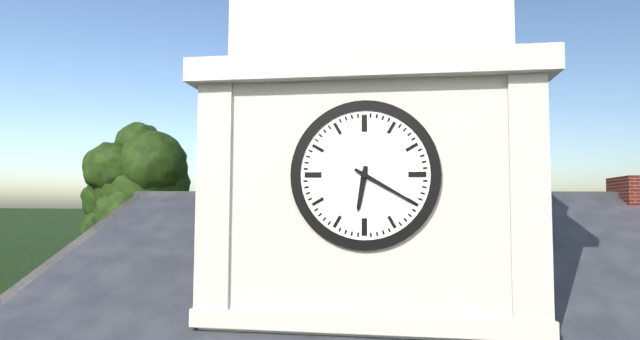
h=6 m=20
